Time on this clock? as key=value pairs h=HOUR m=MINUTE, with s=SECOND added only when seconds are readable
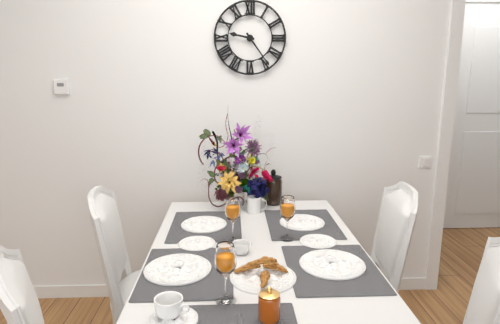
h=9 m=24
